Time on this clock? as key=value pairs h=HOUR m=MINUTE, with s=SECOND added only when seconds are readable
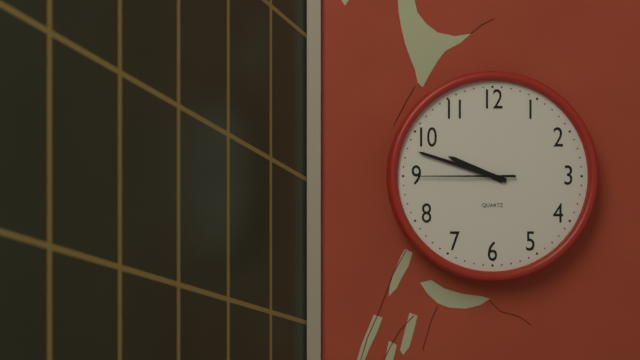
h=9 m=48 s=45
